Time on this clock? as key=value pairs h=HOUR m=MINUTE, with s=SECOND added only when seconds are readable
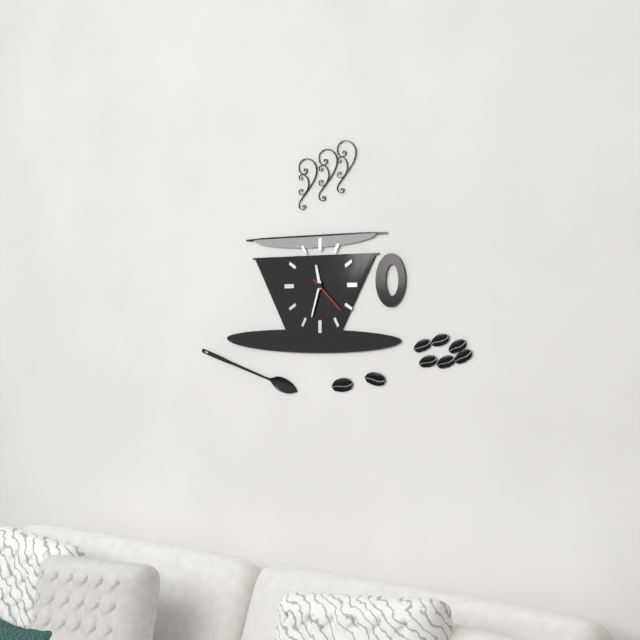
h=11 m=33
